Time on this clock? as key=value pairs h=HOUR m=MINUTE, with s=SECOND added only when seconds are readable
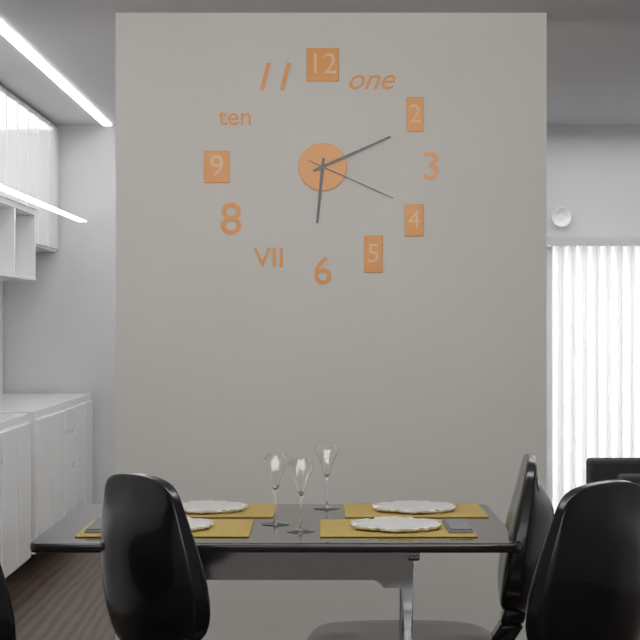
h=6 m=11 s=19
